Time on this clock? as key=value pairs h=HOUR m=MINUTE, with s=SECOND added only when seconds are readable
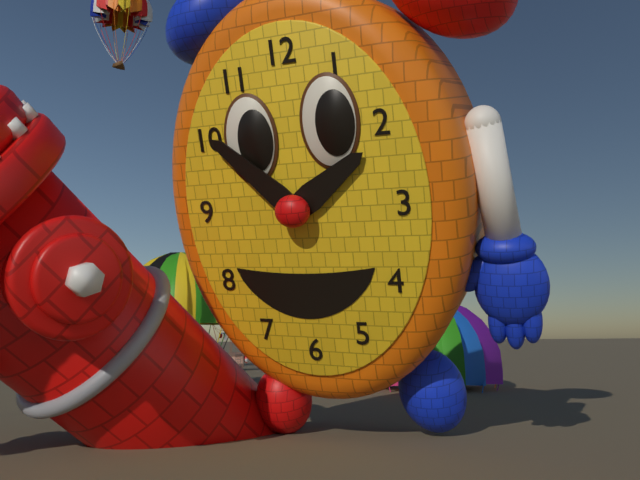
h=1 m=52
